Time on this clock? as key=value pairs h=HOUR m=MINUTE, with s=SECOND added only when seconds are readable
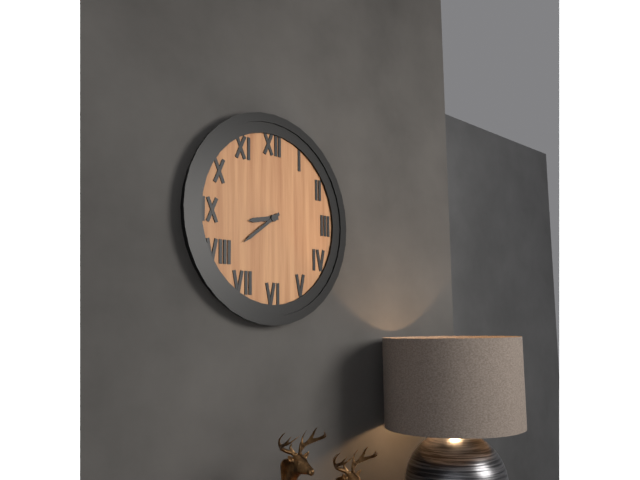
h=8 m=39
